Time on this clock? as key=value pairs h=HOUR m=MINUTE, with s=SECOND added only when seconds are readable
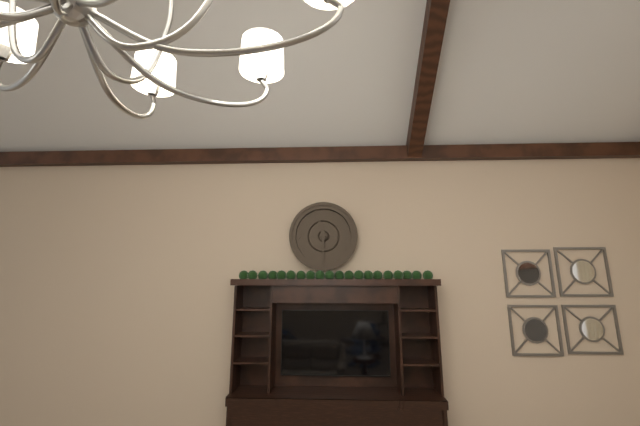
h=11 m=30
